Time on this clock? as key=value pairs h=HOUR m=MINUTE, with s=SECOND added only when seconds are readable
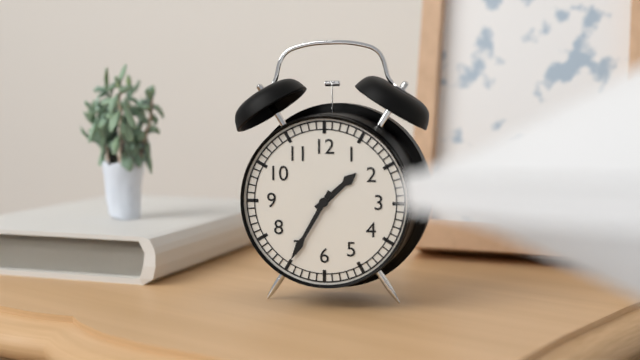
h=1 m=35
